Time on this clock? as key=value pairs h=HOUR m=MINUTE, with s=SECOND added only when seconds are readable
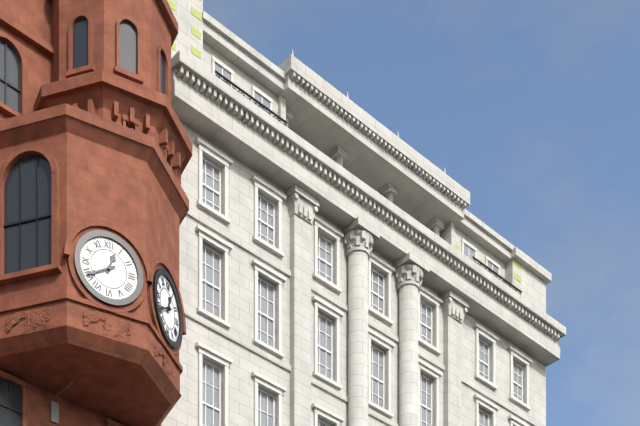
h=12 m=40
